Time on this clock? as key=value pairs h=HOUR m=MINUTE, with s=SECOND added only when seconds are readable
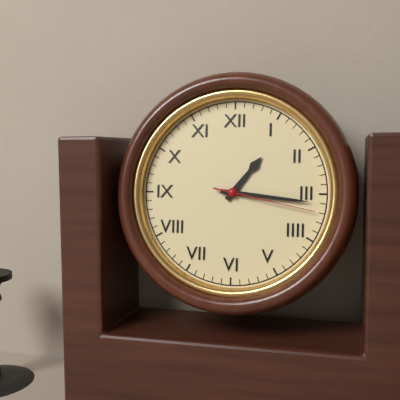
h=1 m=16 s=17
